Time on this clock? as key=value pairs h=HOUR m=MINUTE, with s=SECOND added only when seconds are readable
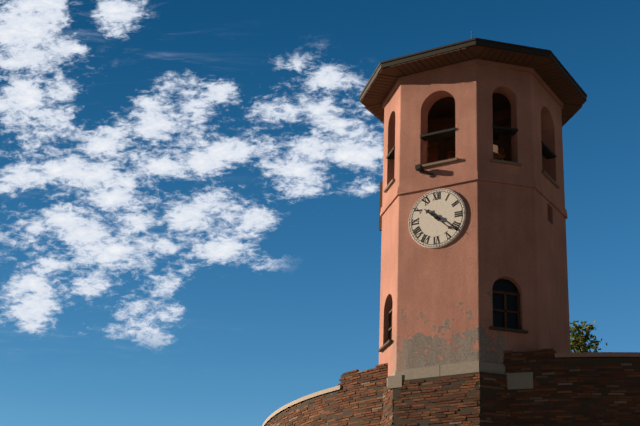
h=10 m=22
